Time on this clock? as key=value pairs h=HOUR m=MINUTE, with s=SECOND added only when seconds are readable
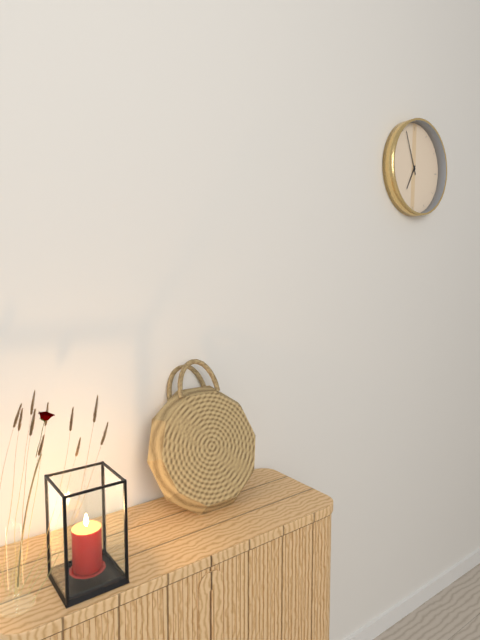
h=6 m=56
